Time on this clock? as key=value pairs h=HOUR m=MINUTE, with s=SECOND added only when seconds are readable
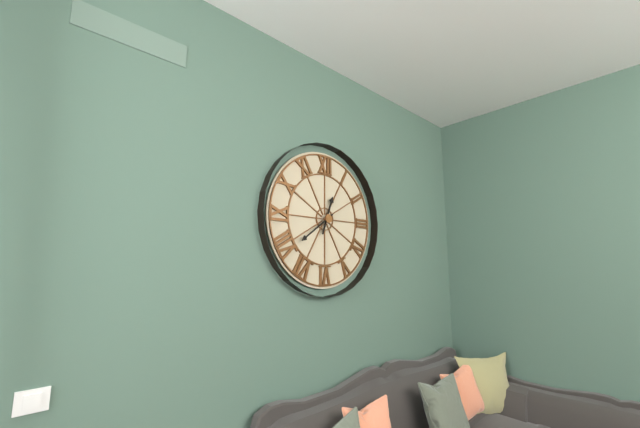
h=12 m=39
